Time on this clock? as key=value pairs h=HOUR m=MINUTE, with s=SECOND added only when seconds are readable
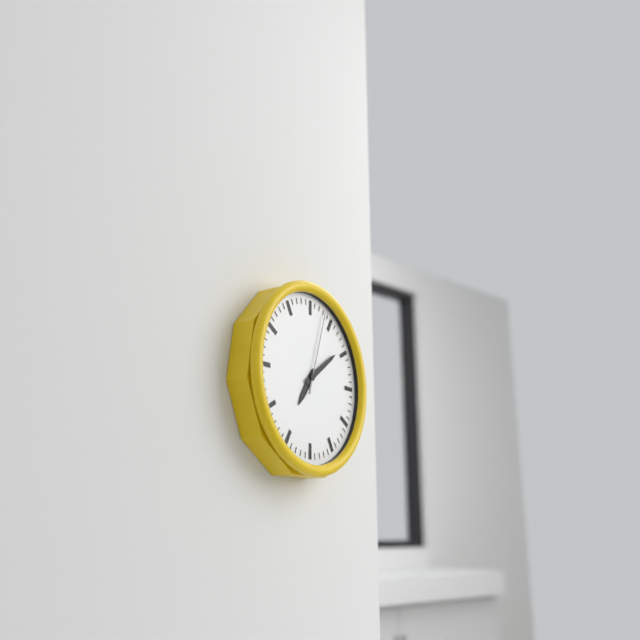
h=7 m=9 s=3
